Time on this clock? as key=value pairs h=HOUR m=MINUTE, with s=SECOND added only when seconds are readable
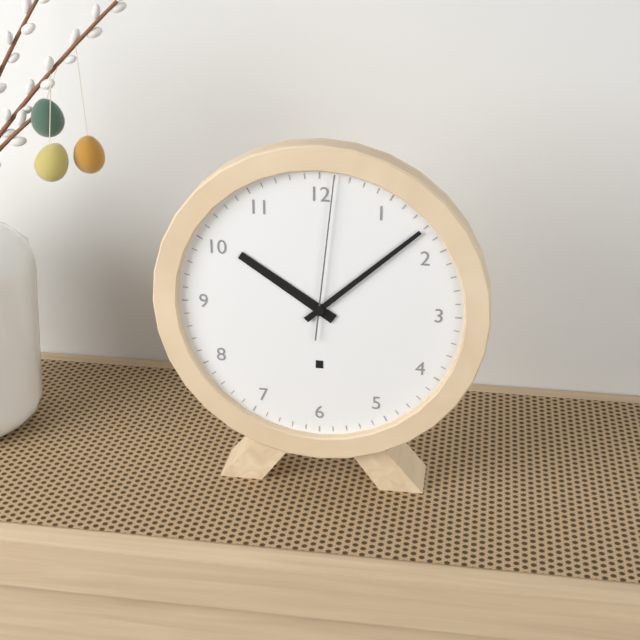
h=10 m=8 s=1
